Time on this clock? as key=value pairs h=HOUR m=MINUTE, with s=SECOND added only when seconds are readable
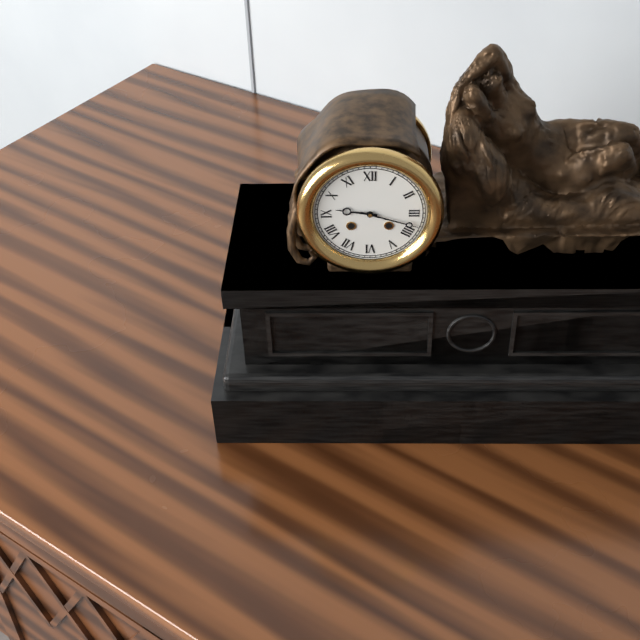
h=9 m=18
